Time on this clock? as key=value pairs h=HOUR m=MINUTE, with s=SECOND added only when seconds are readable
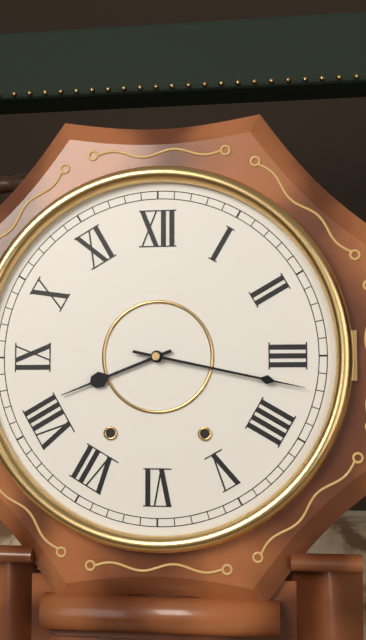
h=8 m=17
